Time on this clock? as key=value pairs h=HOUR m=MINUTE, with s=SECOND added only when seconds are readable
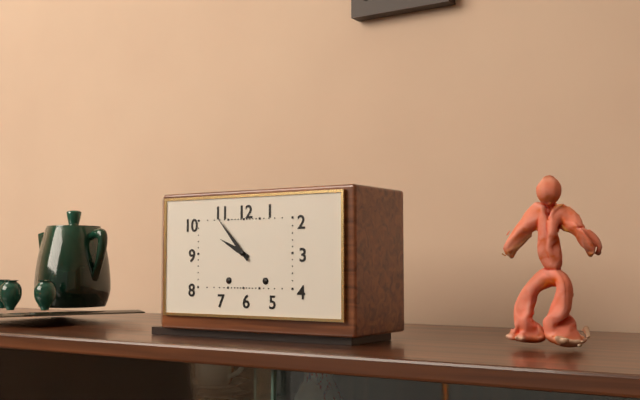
h=9 m=53
